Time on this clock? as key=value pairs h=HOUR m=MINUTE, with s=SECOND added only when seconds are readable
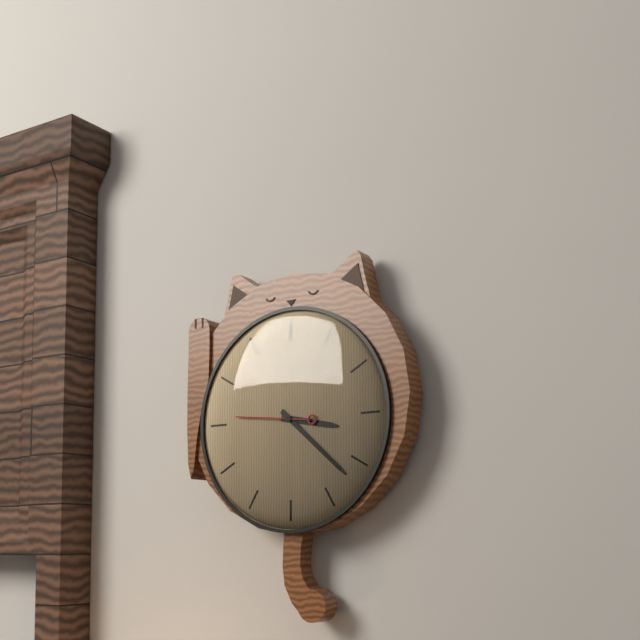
h=3 m=22 s=46
